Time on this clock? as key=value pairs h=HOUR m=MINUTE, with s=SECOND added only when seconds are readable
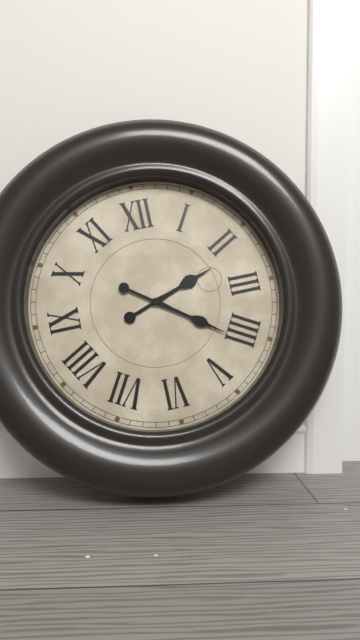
h=2 m=21
